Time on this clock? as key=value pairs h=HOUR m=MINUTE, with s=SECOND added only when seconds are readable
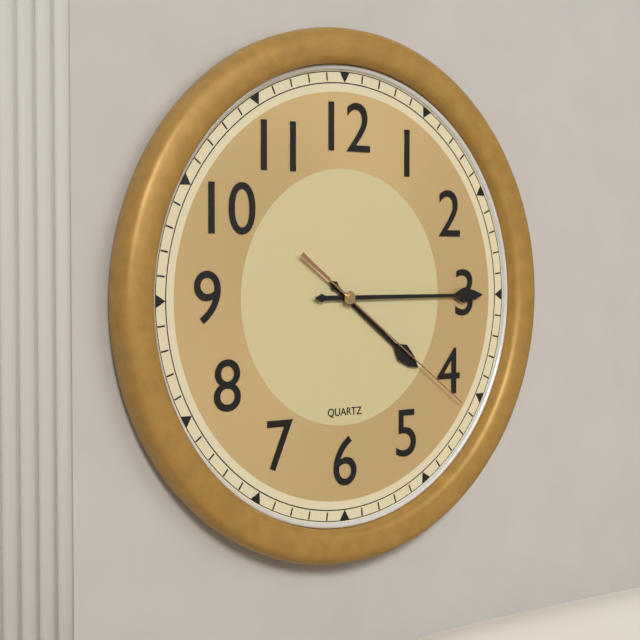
h=4 m=15 s=21
